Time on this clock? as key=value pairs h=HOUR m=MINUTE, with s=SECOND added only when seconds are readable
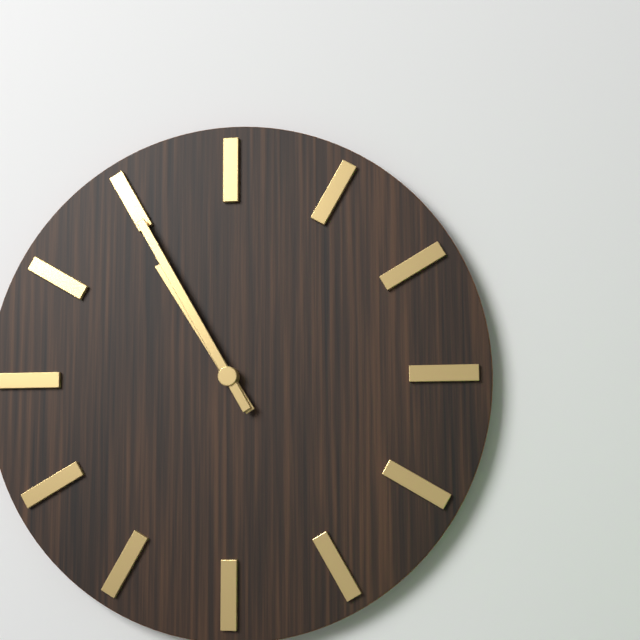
h=10 m=55
